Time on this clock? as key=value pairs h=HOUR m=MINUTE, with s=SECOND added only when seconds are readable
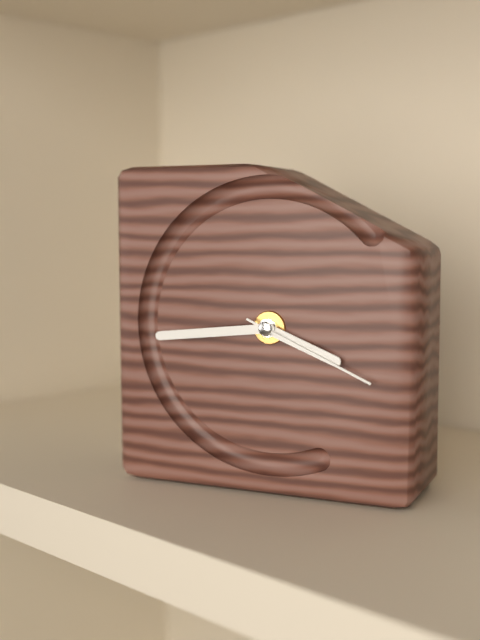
h=3 m=44 s=19
